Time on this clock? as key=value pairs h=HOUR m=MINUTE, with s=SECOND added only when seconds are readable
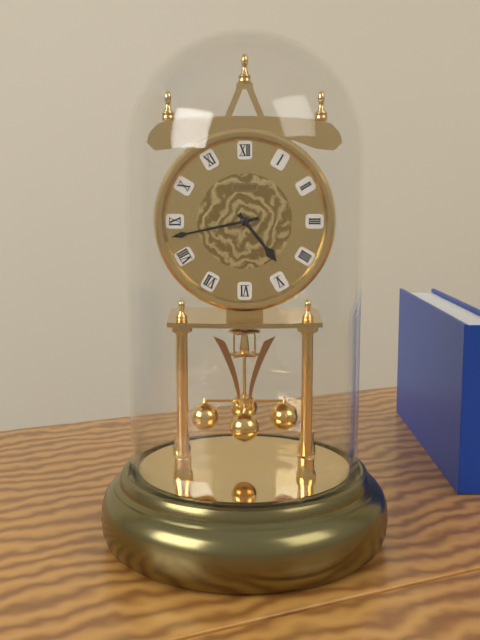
h=4 m=43
